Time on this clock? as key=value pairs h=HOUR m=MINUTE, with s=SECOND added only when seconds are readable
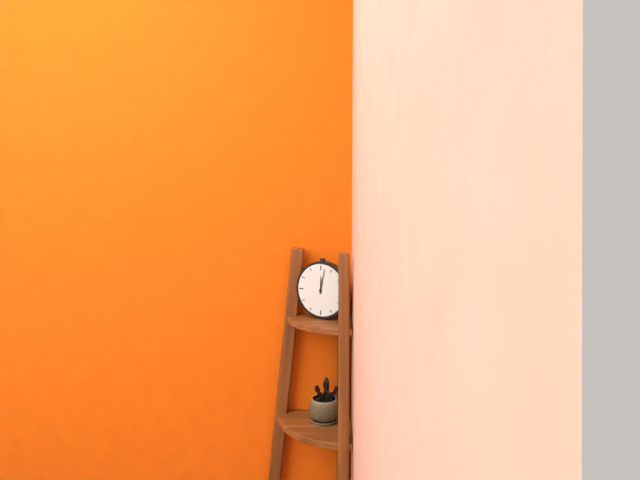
h=12 m=2
